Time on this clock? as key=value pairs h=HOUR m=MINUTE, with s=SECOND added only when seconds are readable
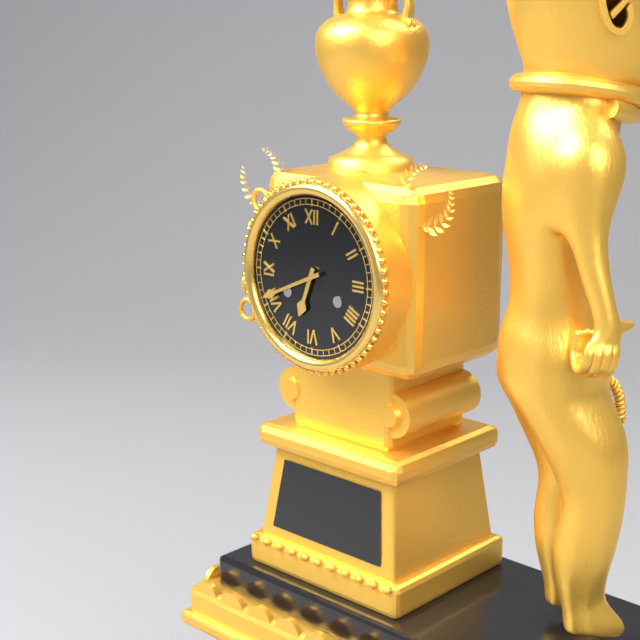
h=6 m=41
